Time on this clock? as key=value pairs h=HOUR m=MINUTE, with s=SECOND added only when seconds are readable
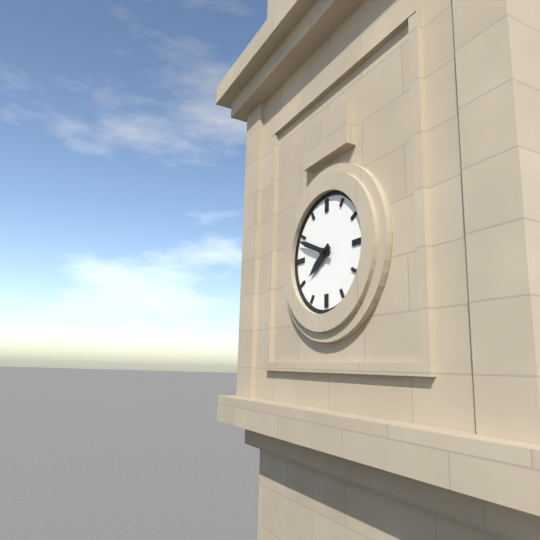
h=7 m=49
